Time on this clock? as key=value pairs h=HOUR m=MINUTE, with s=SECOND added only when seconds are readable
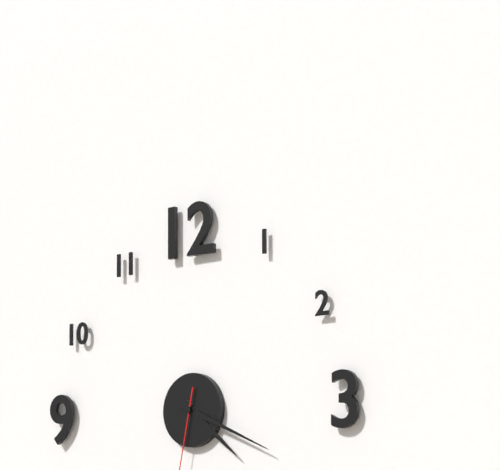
h=4 m=19
